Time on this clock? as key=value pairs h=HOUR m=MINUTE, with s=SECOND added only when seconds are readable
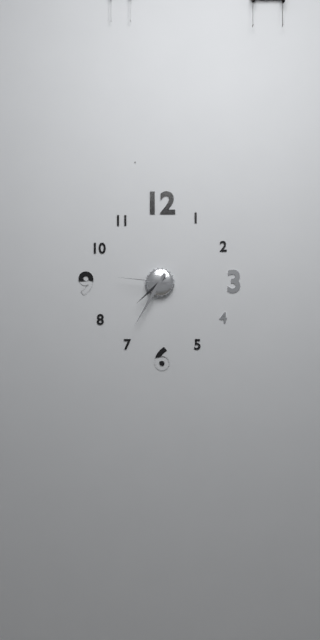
h=7 m=35 s=46
